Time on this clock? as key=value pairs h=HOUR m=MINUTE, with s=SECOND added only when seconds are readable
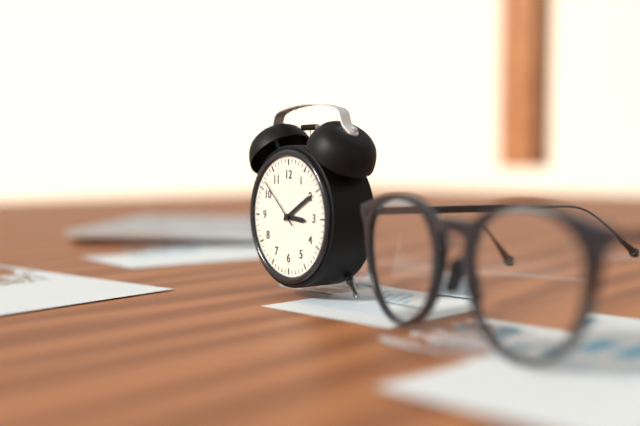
h=3 m=10 s=52
